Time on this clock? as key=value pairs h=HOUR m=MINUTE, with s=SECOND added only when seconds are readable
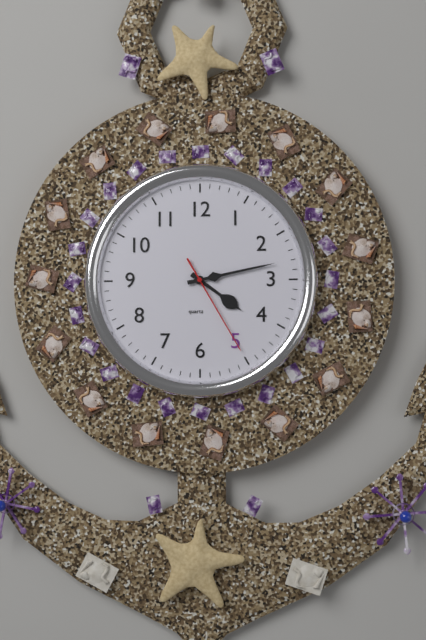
h=4 m=13 s=25
